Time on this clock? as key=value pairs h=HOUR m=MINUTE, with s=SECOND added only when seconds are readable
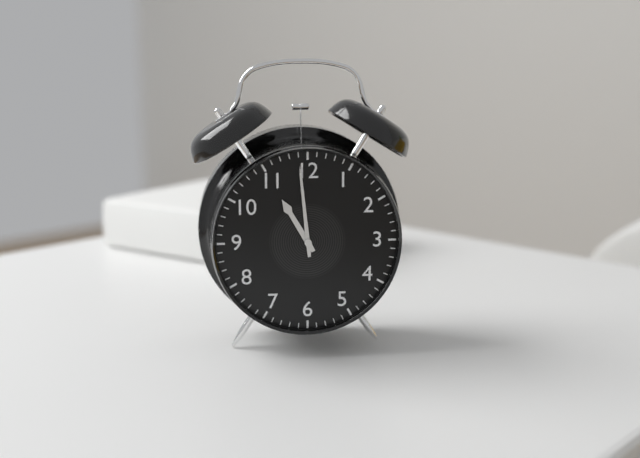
h=10 m=59
